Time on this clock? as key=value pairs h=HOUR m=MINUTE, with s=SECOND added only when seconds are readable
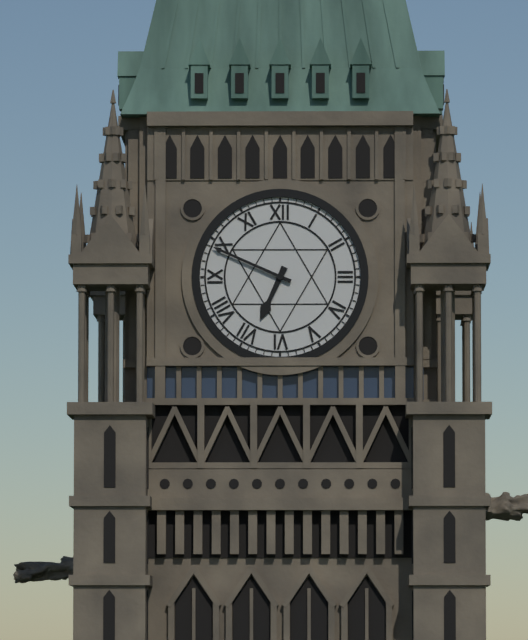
h=6 m=49
